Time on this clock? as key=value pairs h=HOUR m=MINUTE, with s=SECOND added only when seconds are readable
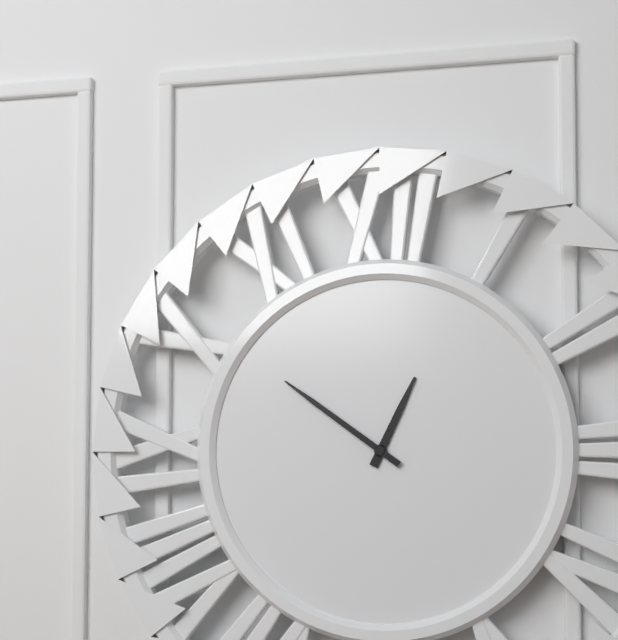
h=12 m=51
